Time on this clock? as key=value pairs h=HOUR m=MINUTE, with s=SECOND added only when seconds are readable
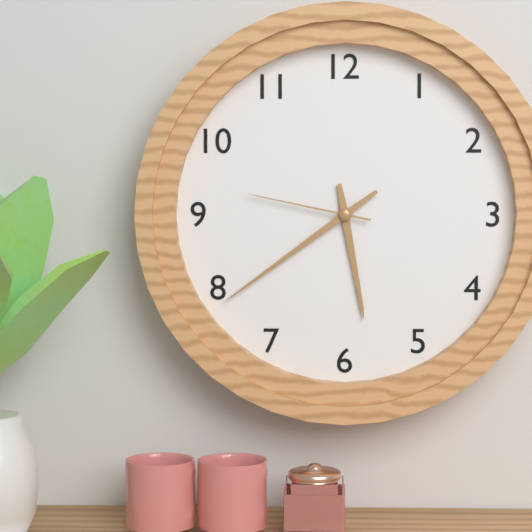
h=5 m=39 s=47
